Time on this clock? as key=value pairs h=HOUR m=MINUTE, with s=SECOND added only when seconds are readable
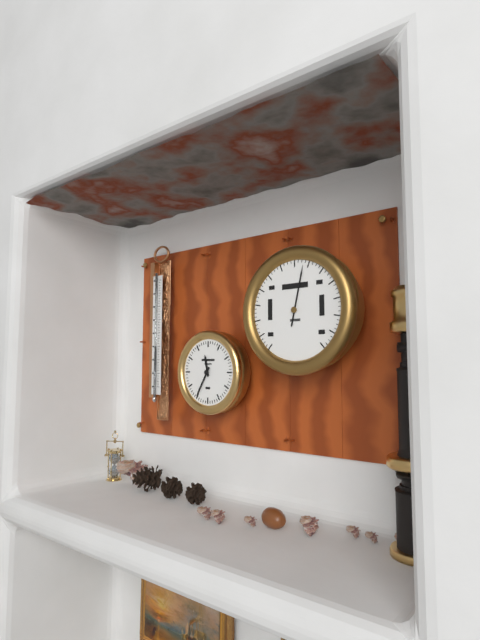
h=11 m=35
